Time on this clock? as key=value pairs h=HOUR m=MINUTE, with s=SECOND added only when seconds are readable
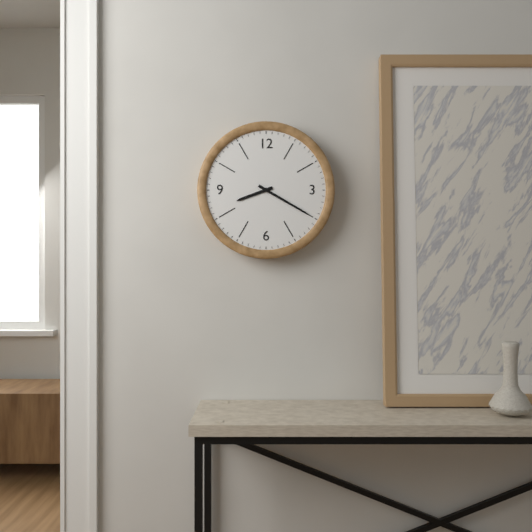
h=8 m=20
